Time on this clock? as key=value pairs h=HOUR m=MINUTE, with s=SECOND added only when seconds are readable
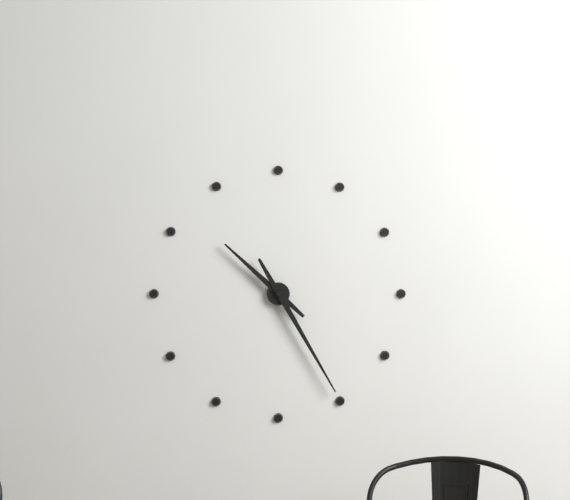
h=10 m=25
